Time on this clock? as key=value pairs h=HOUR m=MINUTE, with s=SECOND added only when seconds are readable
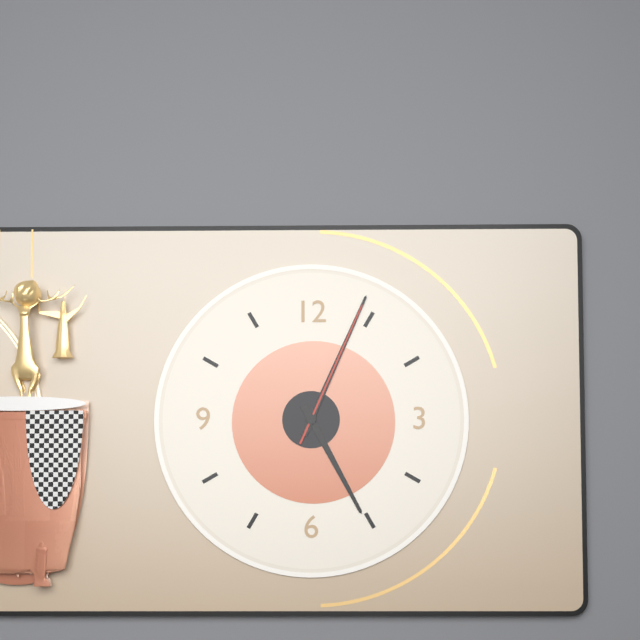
h=5 m=4 s=4
